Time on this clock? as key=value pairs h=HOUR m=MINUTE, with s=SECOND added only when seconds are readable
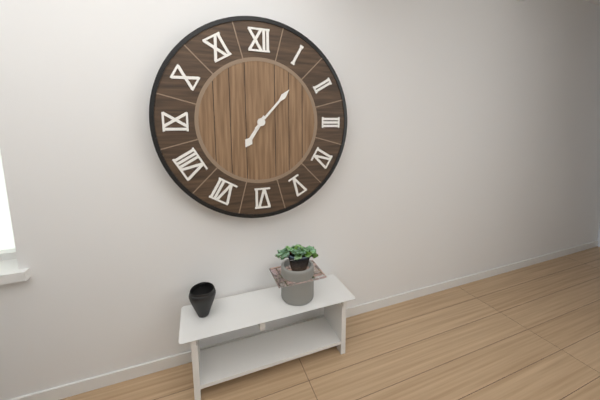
h=7 m=7
